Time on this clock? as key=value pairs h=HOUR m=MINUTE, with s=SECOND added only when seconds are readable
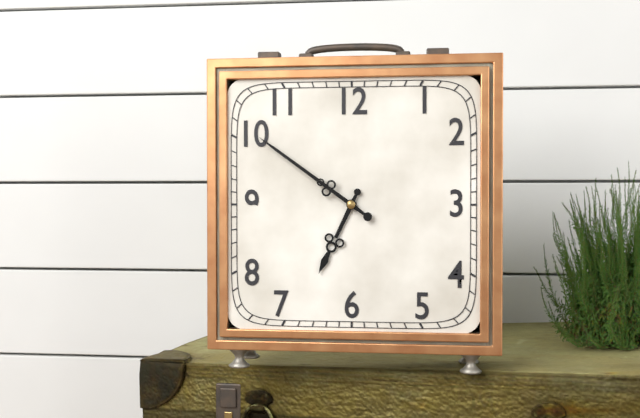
h=6 m=51
